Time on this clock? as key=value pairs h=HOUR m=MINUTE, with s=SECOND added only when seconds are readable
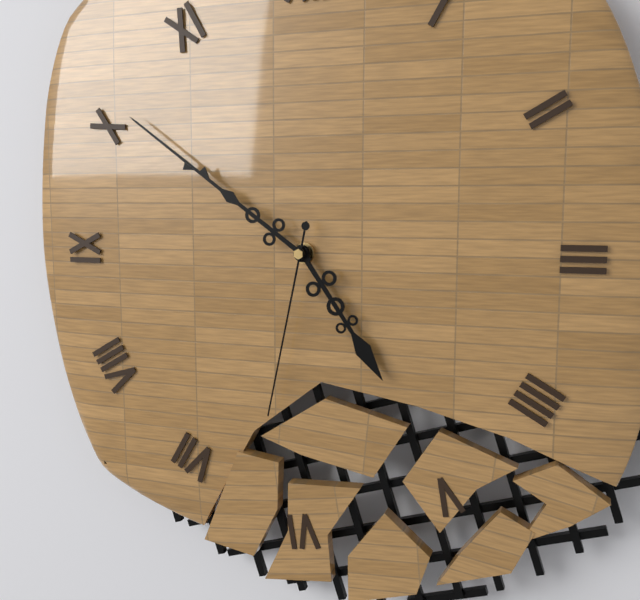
h=4 m=51 s=32
